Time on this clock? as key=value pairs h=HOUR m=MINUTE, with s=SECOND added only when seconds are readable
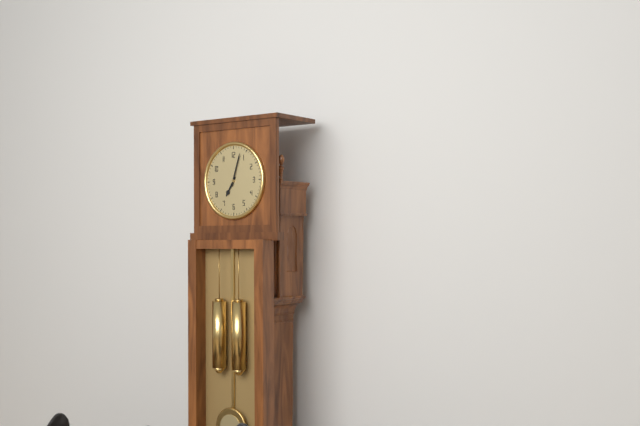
h=7 m=3
